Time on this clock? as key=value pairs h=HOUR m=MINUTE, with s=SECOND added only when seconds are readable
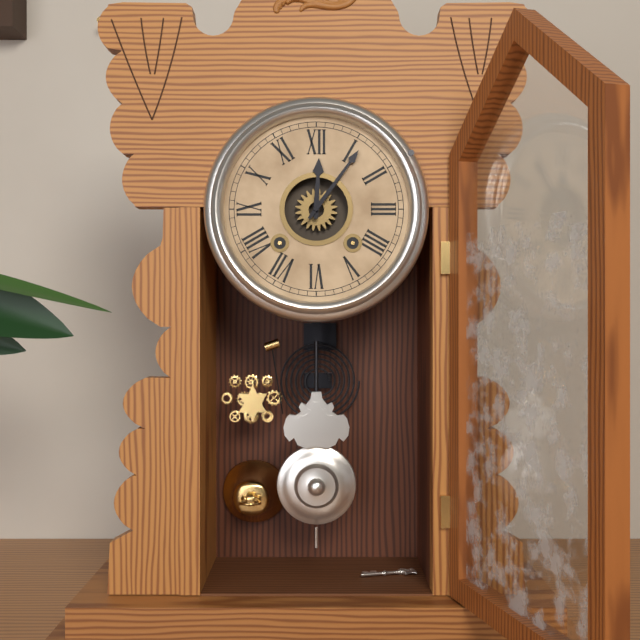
h=12 m=6
